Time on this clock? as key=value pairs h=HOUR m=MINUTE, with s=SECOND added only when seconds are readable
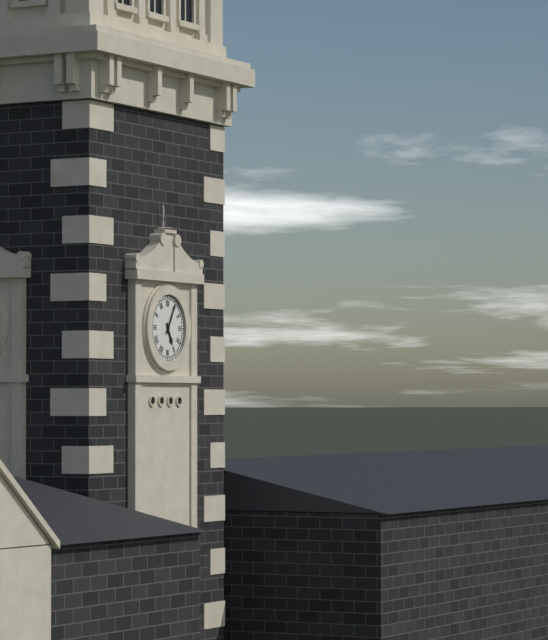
h=5 m=5
